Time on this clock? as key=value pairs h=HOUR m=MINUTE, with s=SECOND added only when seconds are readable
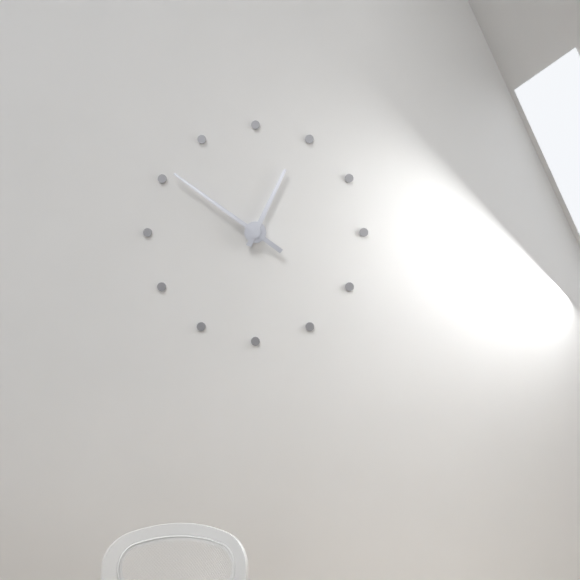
h=12 m=51
